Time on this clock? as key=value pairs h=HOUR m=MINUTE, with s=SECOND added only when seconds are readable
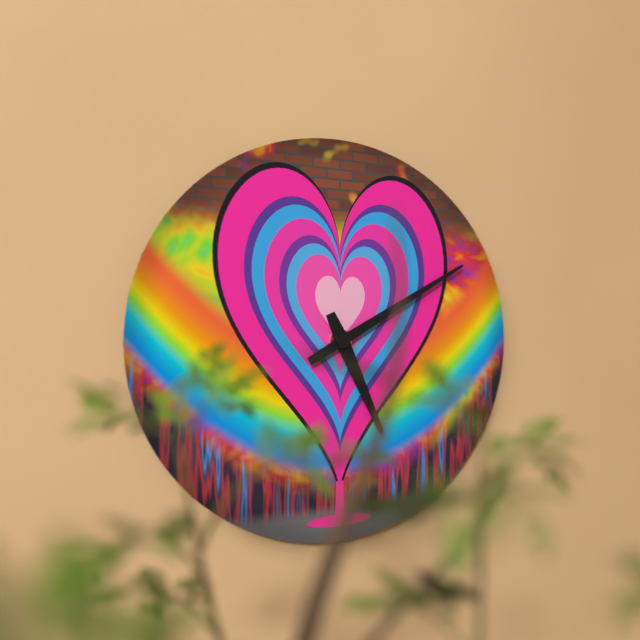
h=5 m=10
